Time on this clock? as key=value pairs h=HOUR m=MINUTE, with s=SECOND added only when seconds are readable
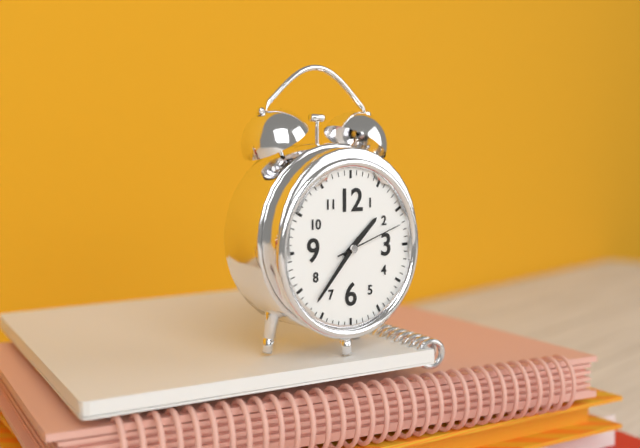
h=1 m=37 s=12
